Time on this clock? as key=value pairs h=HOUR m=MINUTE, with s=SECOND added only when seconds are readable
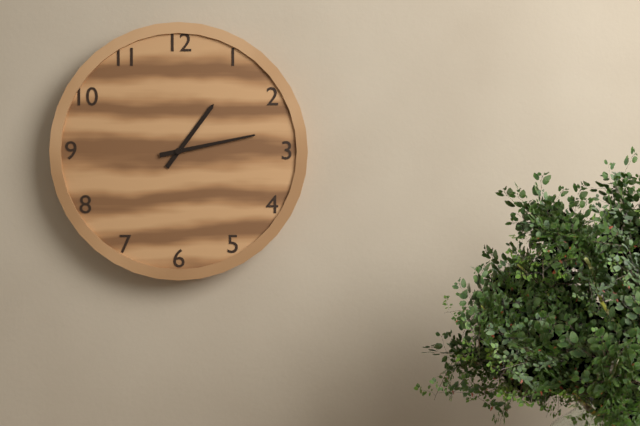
h=1 m=13
